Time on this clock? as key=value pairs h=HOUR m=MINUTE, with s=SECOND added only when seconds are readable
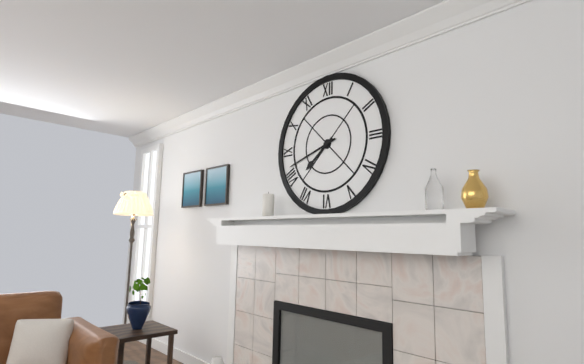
h=7 m=42
